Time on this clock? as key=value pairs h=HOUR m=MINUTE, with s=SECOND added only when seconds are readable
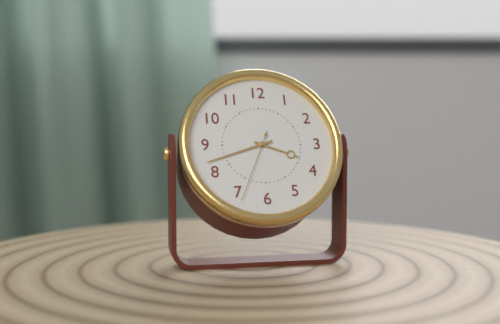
h=3 m=42 s=34
